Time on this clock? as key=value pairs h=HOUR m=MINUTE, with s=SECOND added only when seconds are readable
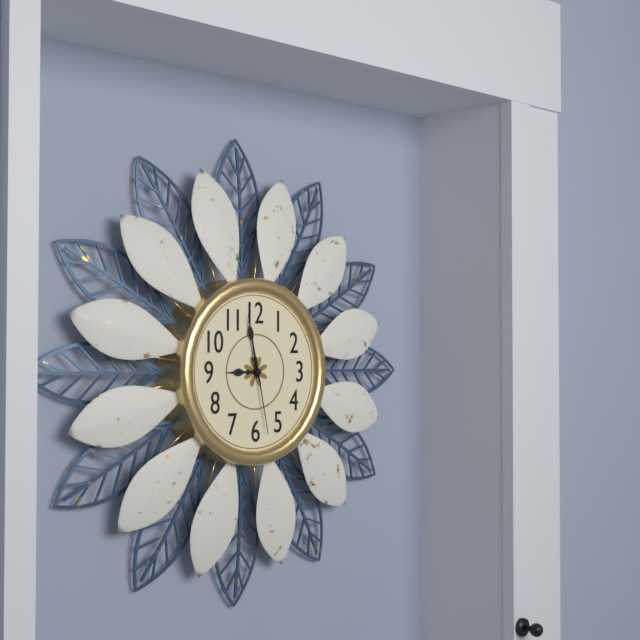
h=8 m=58 s=28
